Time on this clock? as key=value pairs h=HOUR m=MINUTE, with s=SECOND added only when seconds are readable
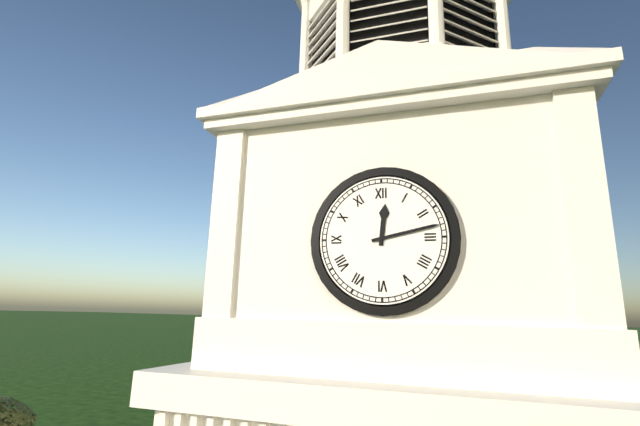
h=12 m=13
